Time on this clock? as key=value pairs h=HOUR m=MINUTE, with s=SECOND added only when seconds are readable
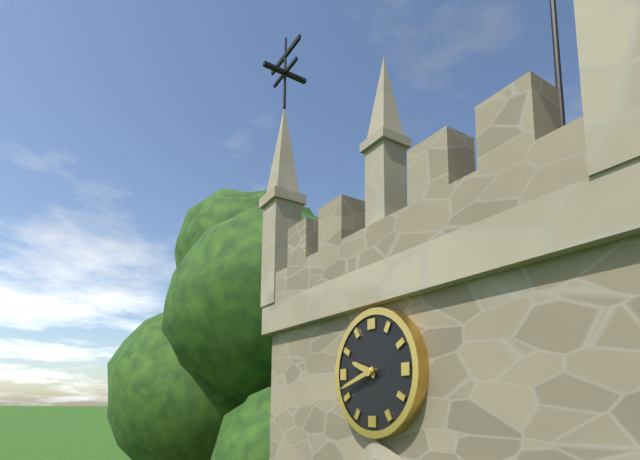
h=9 m=42
